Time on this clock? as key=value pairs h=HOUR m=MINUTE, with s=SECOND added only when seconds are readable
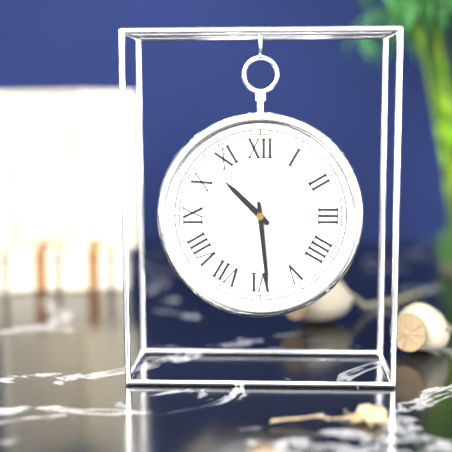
h=10 m=29
